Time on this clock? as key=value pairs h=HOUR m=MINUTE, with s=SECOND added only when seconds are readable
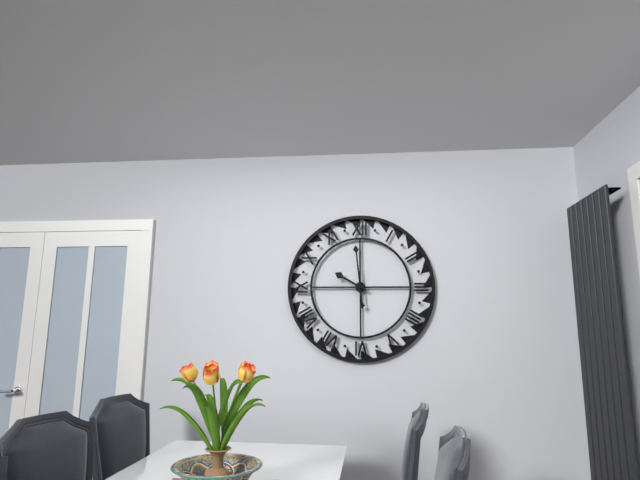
h=9 m=59
